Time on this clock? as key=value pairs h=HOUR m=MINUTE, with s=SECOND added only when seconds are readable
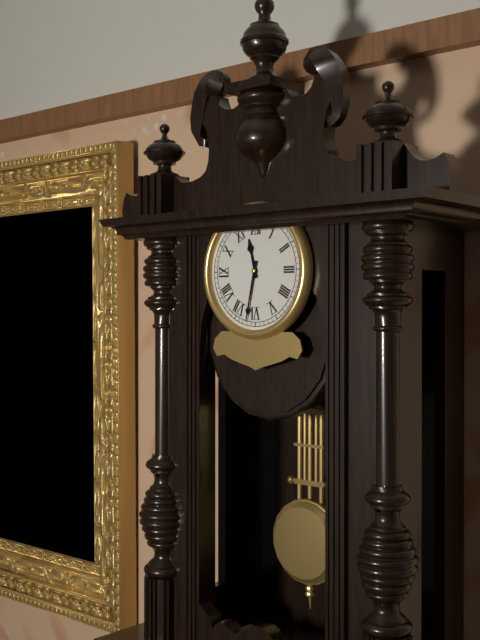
h=11 m=32
